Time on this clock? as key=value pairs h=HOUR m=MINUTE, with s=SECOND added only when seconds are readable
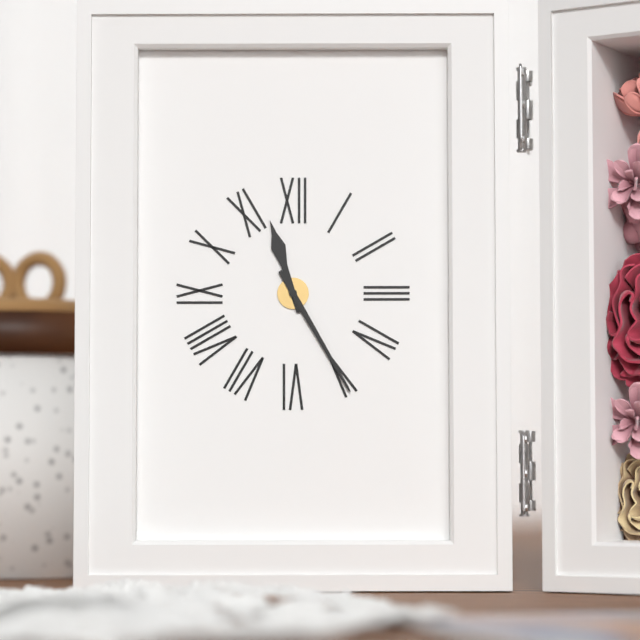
h=11 m=25
